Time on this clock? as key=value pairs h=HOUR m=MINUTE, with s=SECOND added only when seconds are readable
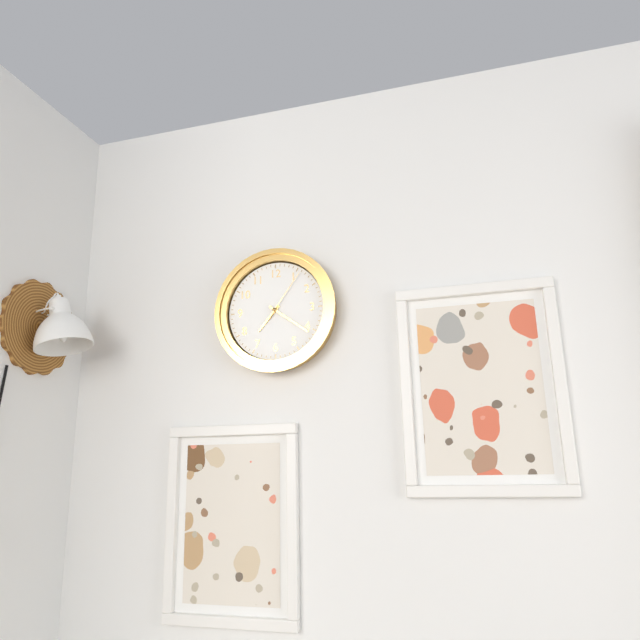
h=7 m=21 s=6
